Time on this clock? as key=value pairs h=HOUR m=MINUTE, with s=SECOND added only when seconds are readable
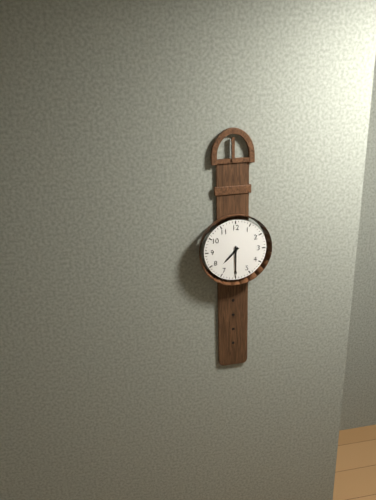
h=7 m=30
